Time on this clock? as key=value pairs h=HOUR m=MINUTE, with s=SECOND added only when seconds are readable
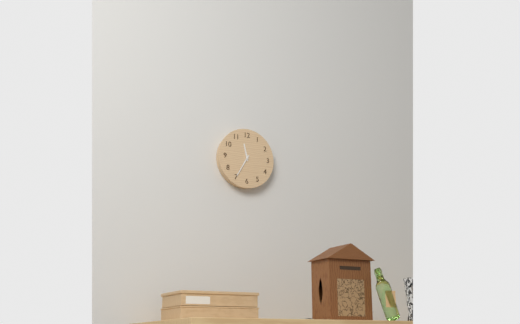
h=11 m=35
